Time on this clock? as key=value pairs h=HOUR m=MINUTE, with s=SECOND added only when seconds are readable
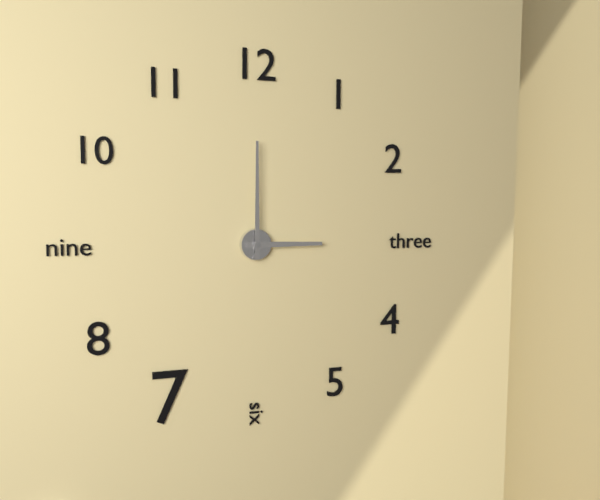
h=3 m=0
